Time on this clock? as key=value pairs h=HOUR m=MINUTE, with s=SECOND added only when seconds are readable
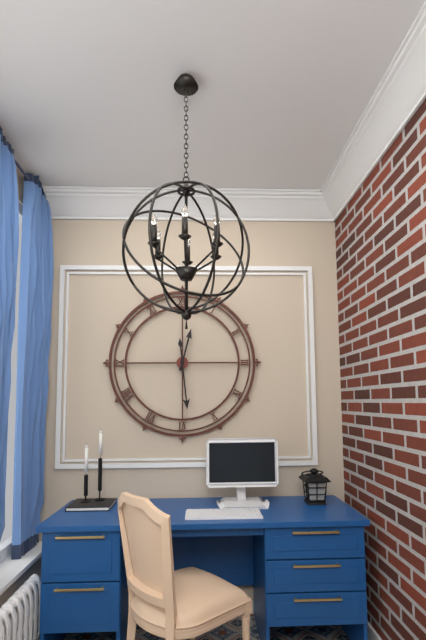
h=12 m=29
